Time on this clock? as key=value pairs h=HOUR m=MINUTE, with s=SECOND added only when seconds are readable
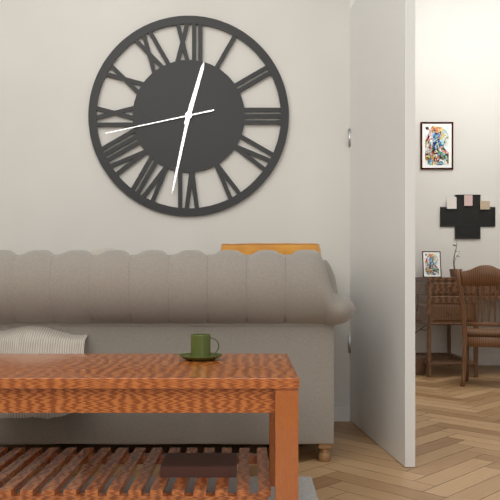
h=12 m=32 s=43
